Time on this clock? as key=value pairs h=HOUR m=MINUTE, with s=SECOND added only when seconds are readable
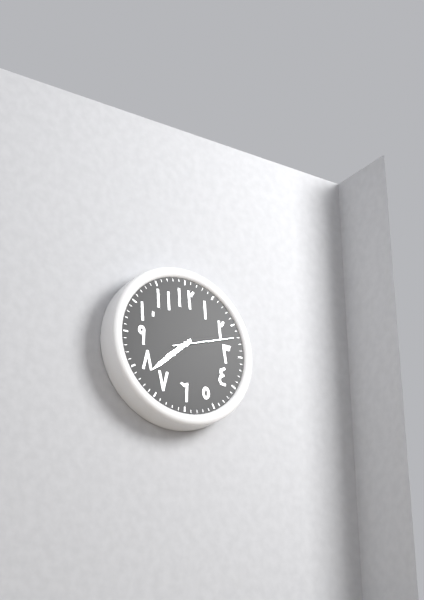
h=7 m=38 s=12
